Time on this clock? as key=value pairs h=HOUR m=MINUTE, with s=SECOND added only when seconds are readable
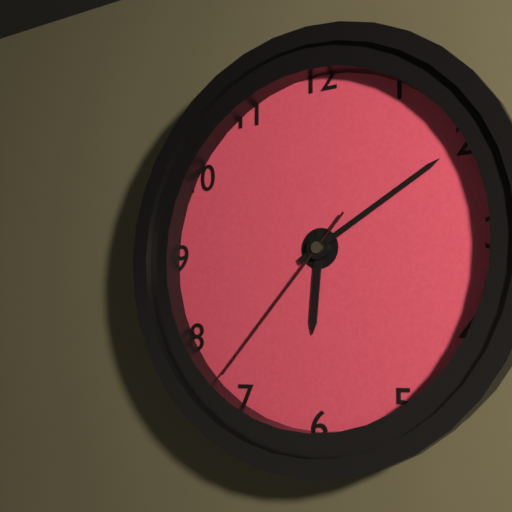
h=6 m=10 s=37
